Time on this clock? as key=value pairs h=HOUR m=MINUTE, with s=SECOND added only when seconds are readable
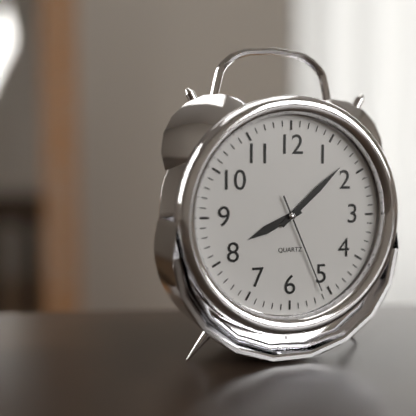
h=8 m=8 s=26
